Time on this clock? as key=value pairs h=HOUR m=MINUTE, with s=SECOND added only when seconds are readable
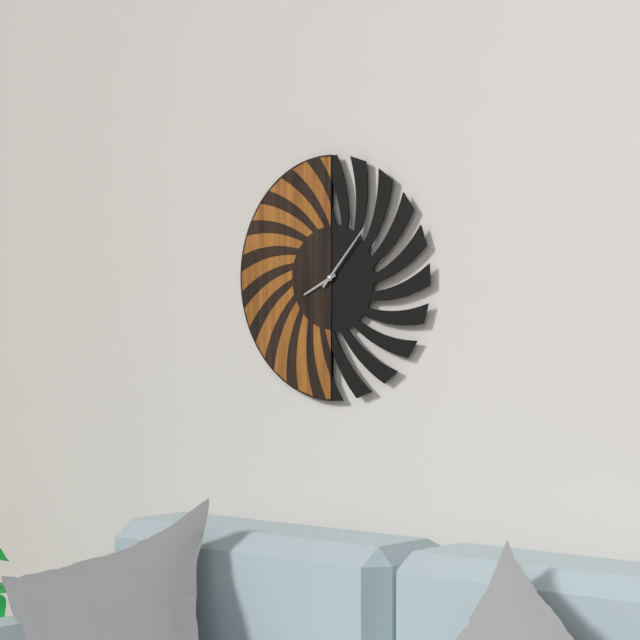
h=8 m=7
